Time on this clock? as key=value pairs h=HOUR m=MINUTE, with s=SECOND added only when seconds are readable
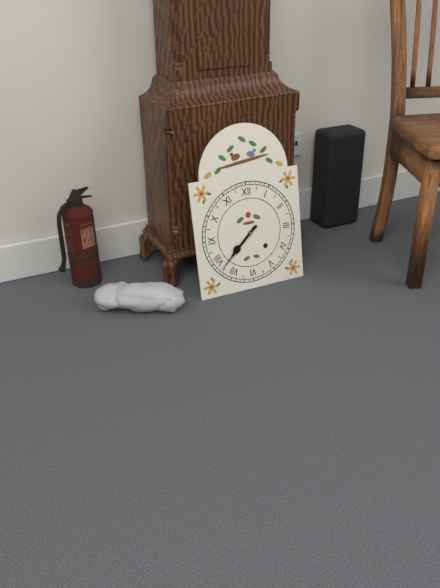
h=7 m=38
